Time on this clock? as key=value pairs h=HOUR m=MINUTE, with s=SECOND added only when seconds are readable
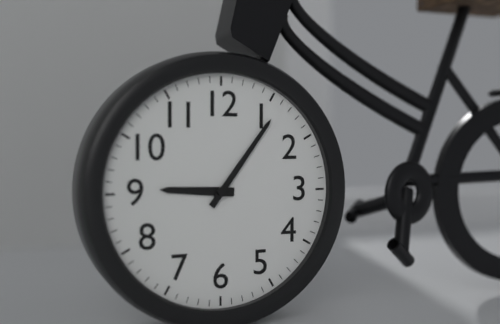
h=9 m=6
